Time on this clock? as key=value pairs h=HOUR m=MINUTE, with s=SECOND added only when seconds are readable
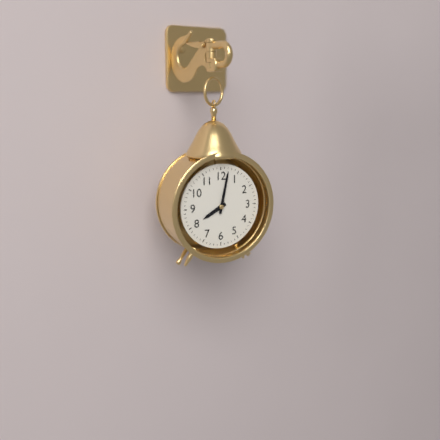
h=8 m=2
